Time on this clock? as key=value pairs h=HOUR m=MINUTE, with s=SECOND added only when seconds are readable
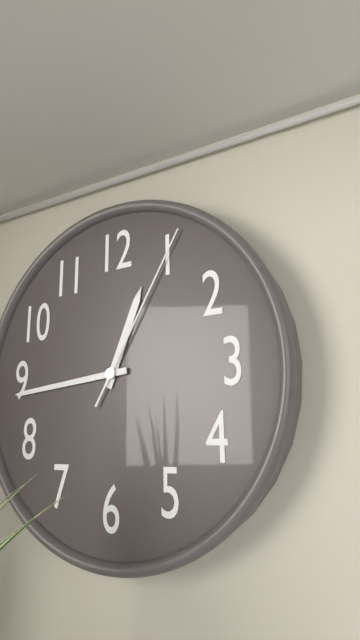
h=12 m=44 s=5
